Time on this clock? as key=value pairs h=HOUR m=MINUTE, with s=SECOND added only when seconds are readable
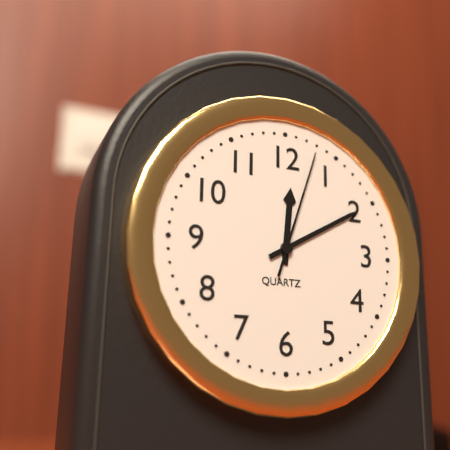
h=12 m=10 s=3
